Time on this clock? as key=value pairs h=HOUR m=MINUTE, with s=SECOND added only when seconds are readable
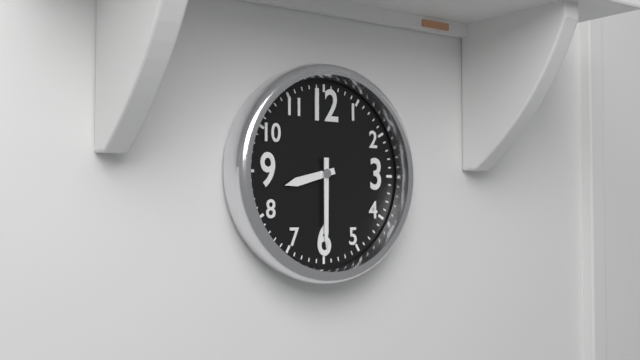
h=8 m=30
